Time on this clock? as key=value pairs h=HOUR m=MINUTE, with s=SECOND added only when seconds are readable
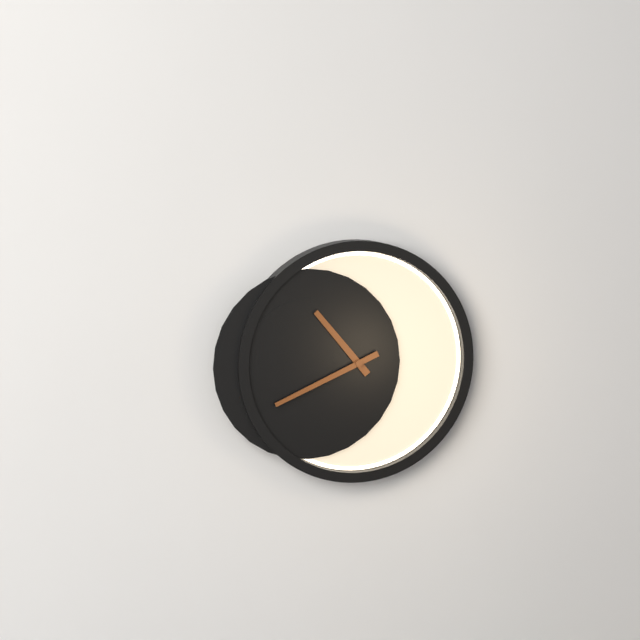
h=10 m=41
